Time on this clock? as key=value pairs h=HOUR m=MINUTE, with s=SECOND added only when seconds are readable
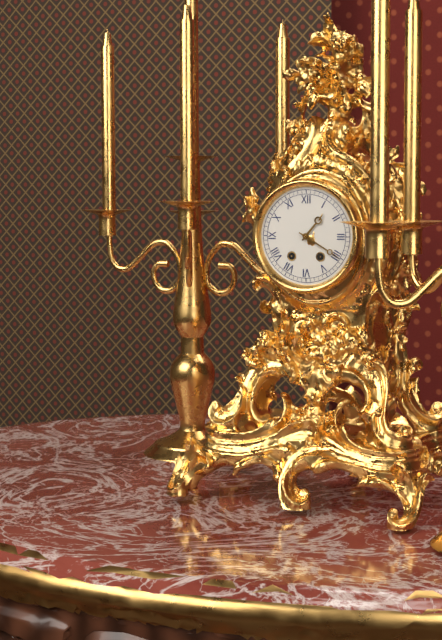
h=1 m=20
